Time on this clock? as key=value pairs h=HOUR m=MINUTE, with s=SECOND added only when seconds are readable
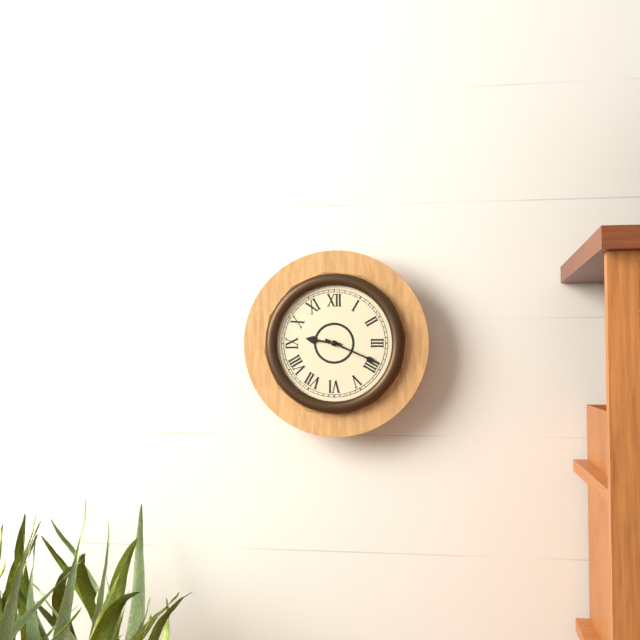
h=9 m=19
